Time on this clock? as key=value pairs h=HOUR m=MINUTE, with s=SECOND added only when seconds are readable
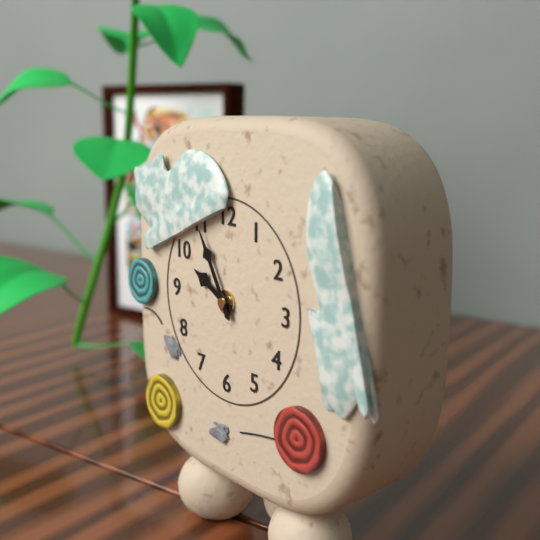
h=9 m=55
